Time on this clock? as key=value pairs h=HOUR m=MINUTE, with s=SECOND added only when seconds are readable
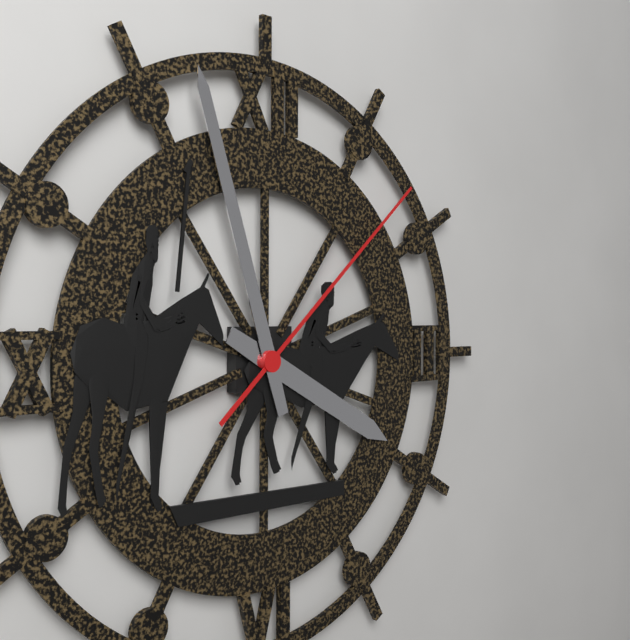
h=3 m=57 s=8
